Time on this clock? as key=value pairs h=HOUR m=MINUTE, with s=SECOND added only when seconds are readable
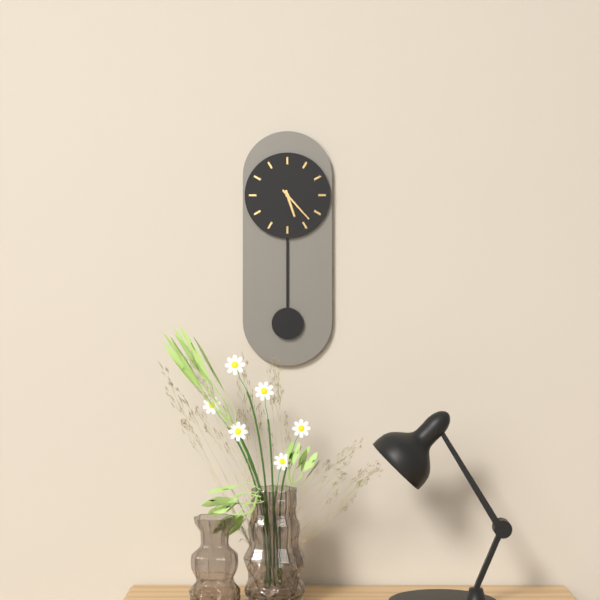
h=5 m=23
